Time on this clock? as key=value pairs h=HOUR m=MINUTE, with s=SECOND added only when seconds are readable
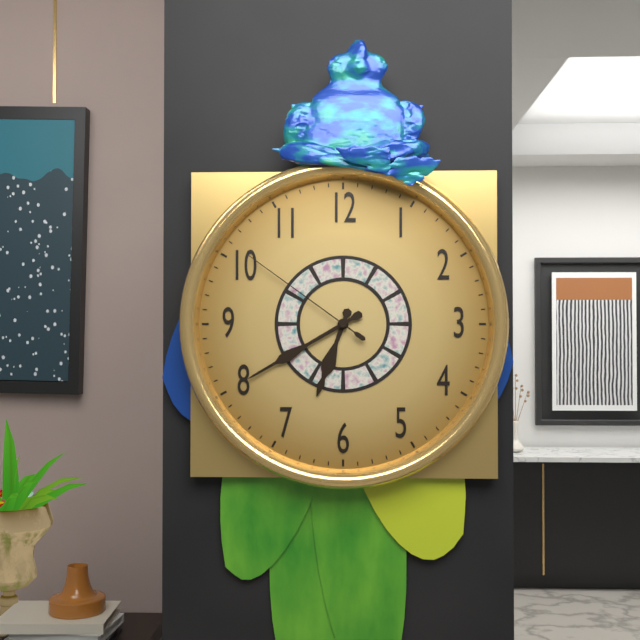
h=6 m=40 s=51
